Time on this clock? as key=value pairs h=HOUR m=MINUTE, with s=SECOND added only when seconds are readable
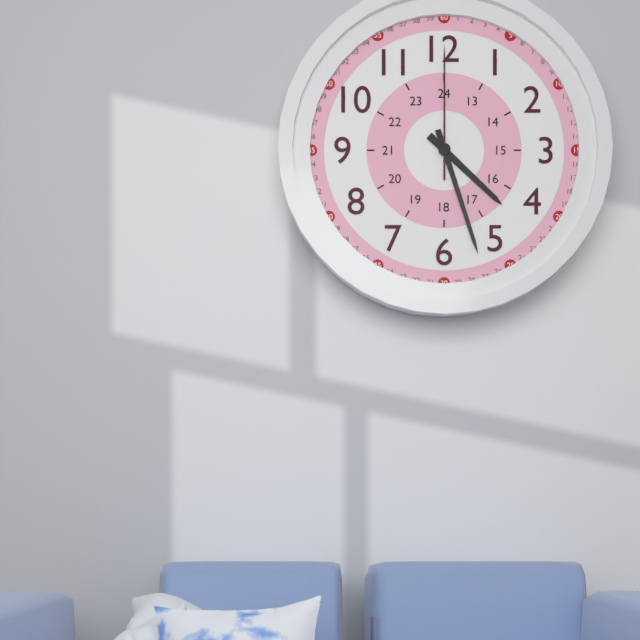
h=4 m=27 s=0
